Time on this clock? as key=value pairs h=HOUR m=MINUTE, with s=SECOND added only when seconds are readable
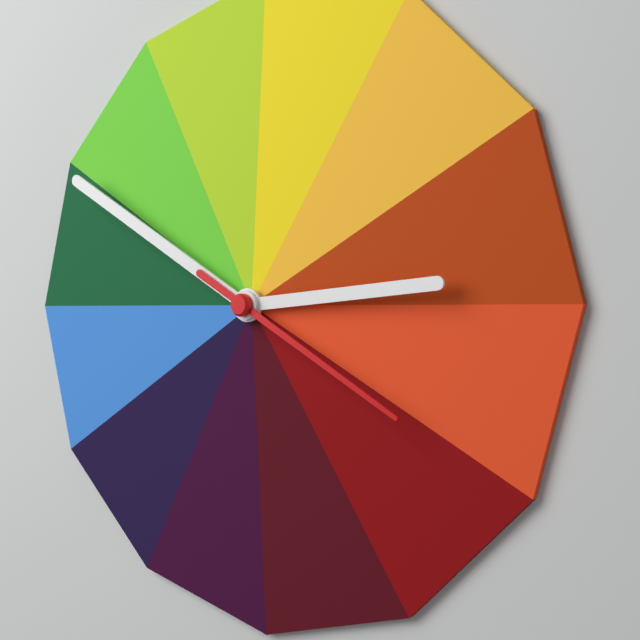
h=2 m=50 s=20
